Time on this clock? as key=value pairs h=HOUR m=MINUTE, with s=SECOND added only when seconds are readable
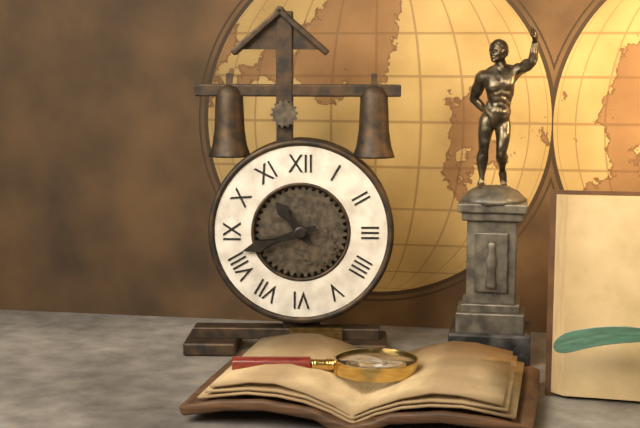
h=10 m=42
